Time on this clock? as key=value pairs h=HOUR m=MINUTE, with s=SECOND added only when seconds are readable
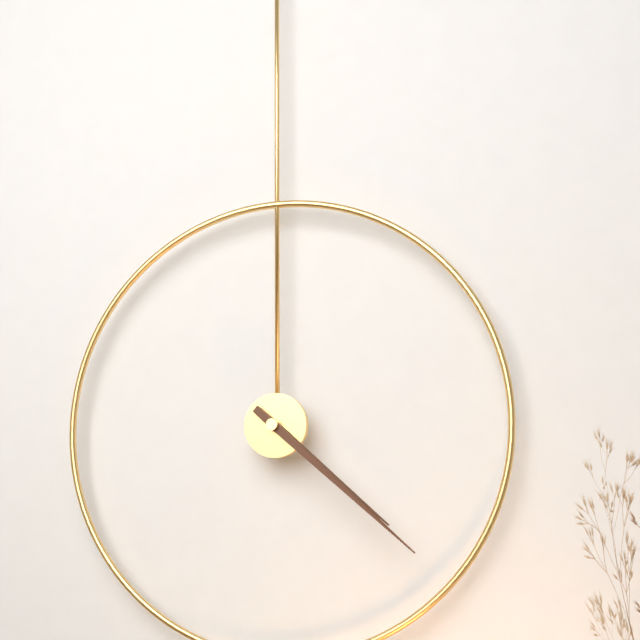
h=4 m=22
